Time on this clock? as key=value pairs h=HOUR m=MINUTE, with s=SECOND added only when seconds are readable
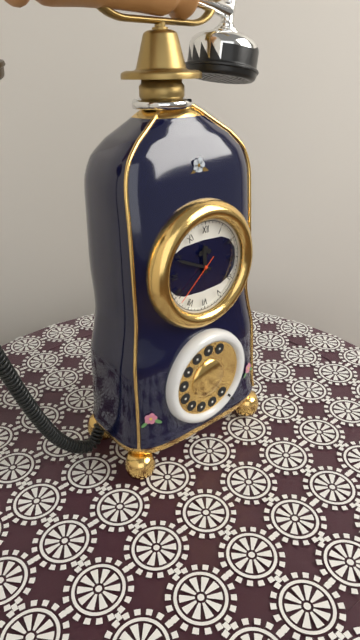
h=11 m=49 s=38
